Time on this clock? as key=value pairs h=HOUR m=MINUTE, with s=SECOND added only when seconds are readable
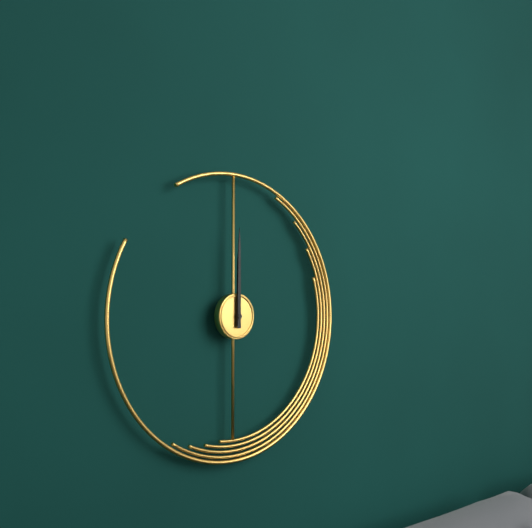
h=12 m=0
